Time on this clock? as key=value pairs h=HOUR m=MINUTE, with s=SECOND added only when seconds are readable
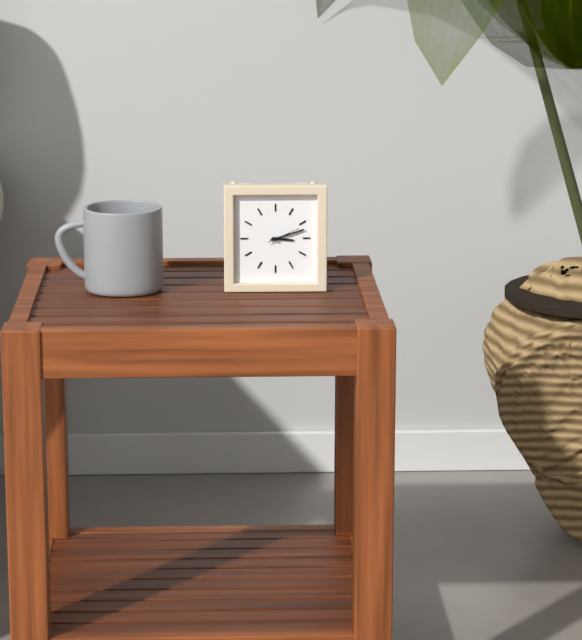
h=3 m=12
